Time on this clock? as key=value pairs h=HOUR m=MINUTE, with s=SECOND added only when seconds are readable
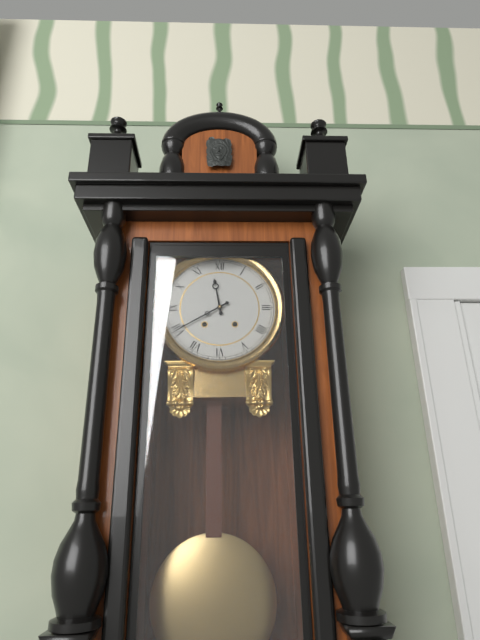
h=11 m=40
